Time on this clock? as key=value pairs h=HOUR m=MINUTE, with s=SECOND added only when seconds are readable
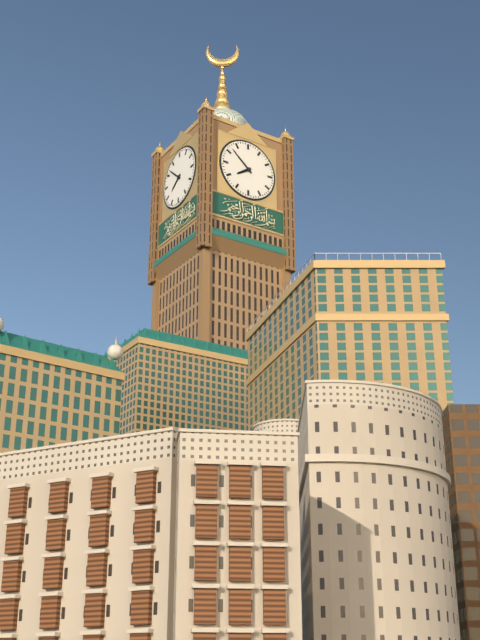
h=7 m=52
